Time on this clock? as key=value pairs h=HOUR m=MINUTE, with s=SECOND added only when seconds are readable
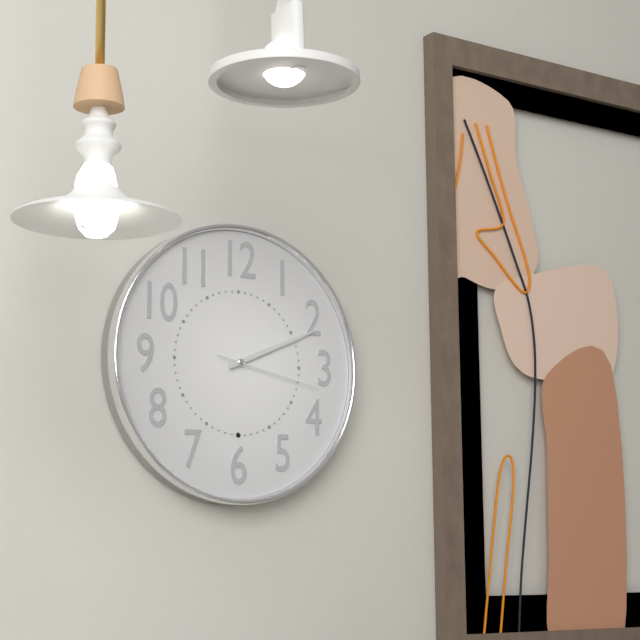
h=2 m=11 s=17
